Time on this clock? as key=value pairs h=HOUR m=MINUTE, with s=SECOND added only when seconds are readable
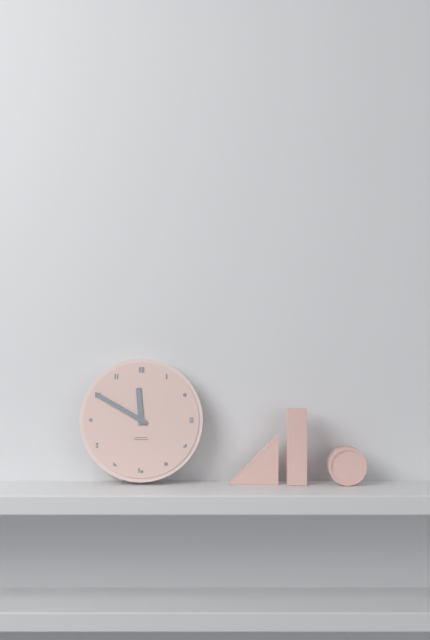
h=11 m=50
